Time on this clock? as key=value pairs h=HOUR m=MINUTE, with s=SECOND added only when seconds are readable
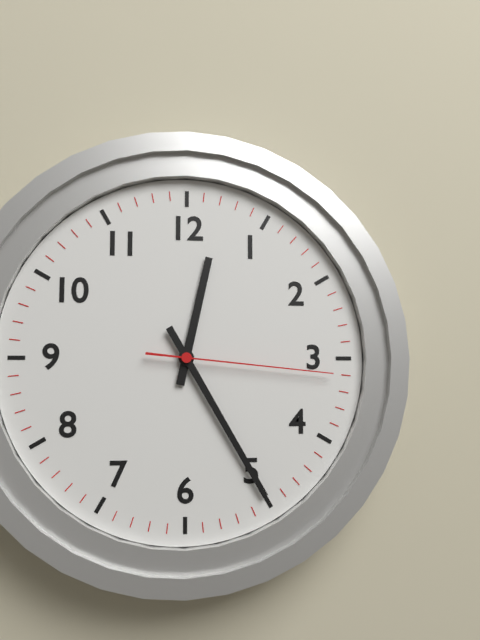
h=12 m=25 s=16
